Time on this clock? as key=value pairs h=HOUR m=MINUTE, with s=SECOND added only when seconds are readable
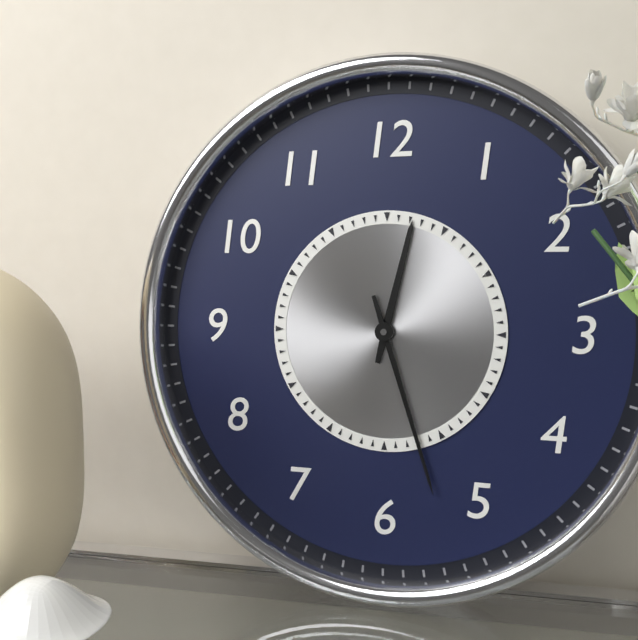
h=12 m=27
